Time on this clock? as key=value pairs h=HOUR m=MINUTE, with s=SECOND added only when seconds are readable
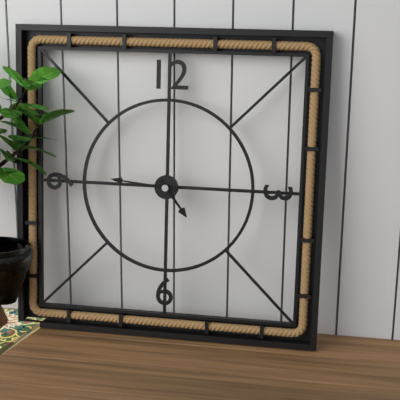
h=4 m=46
